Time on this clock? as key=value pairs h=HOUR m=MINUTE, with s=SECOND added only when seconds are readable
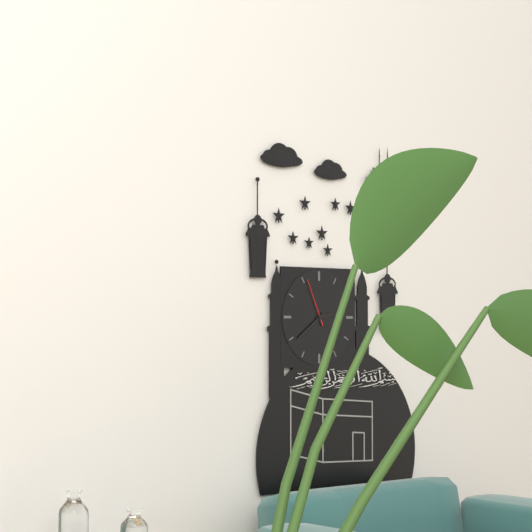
h=2 m=39
